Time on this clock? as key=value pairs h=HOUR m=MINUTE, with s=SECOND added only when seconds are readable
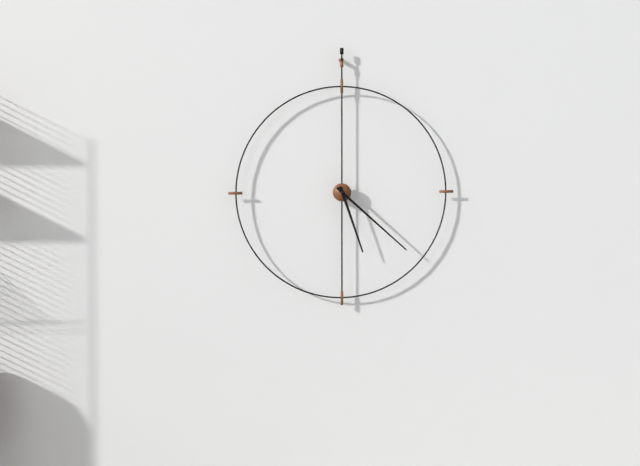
h=5 m=22
